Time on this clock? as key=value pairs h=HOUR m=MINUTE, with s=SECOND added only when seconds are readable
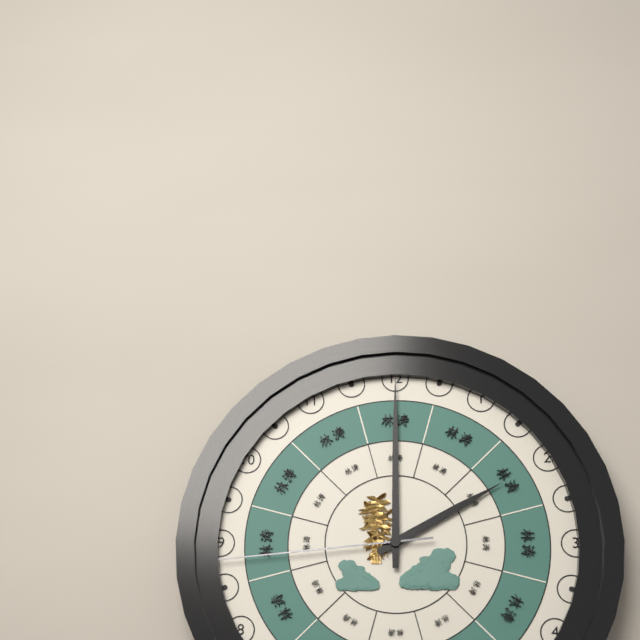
h=2 m=0 s=44
